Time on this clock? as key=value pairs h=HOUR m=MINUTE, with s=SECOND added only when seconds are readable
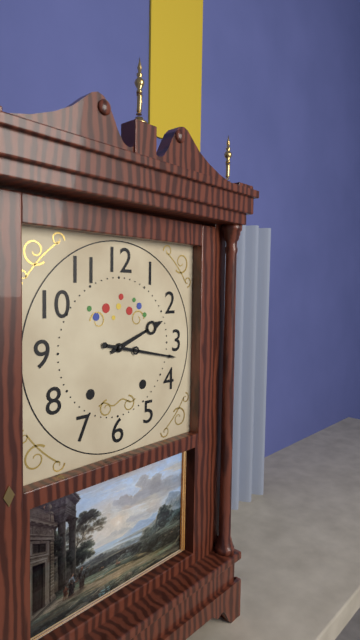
h=2 m=17
